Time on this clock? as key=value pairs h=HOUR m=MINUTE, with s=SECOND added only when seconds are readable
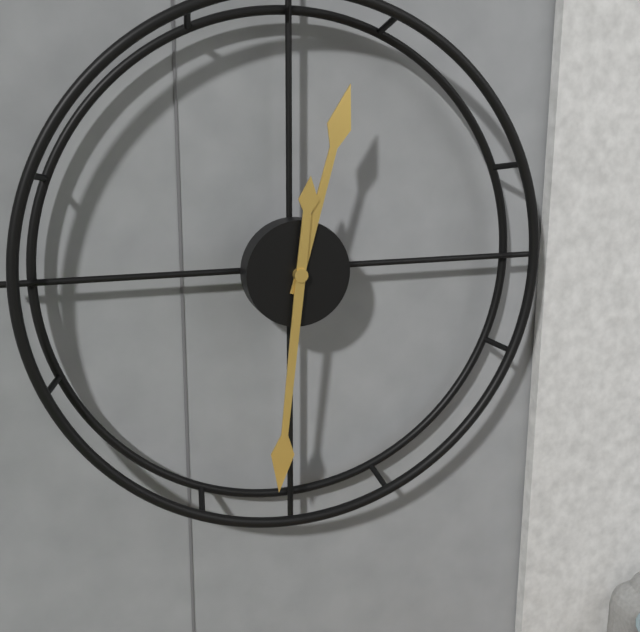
h=12 m=31
